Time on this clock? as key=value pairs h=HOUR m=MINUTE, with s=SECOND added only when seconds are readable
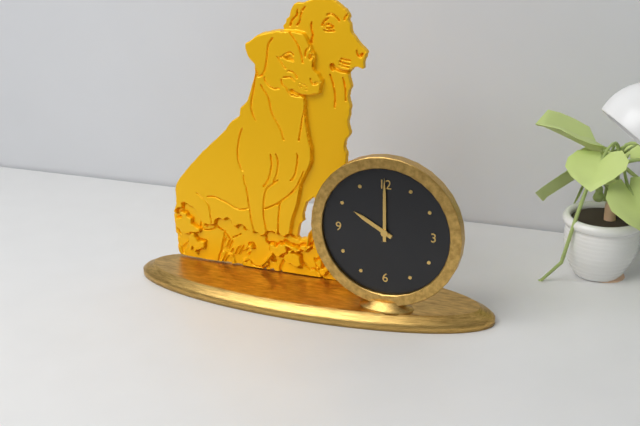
h=10 m=0
